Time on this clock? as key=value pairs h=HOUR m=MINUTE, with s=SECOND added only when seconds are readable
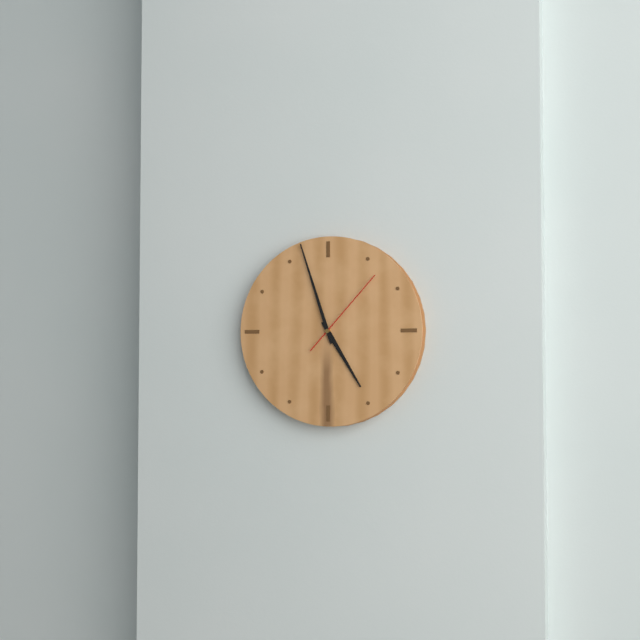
h=4 m=57 s=7
